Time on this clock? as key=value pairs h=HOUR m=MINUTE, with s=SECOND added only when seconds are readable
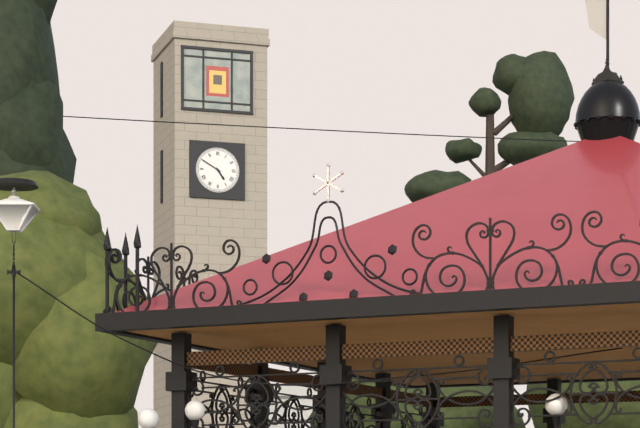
h=4 m=50
